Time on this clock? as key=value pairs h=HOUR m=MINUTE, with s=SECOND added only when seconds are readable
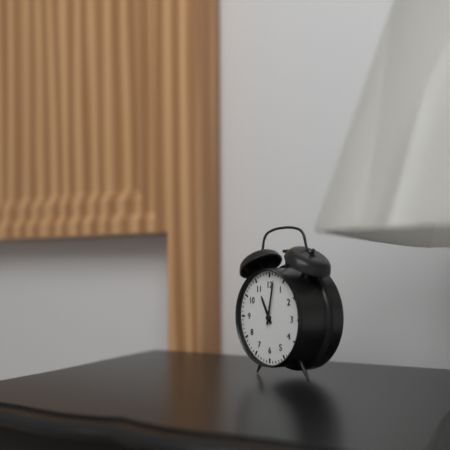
h=11 m=2
